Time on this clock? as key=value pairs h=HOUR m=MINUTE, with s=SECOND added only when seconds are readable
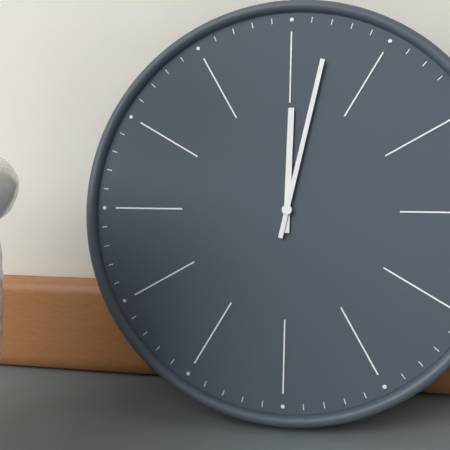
h=12 m=2
